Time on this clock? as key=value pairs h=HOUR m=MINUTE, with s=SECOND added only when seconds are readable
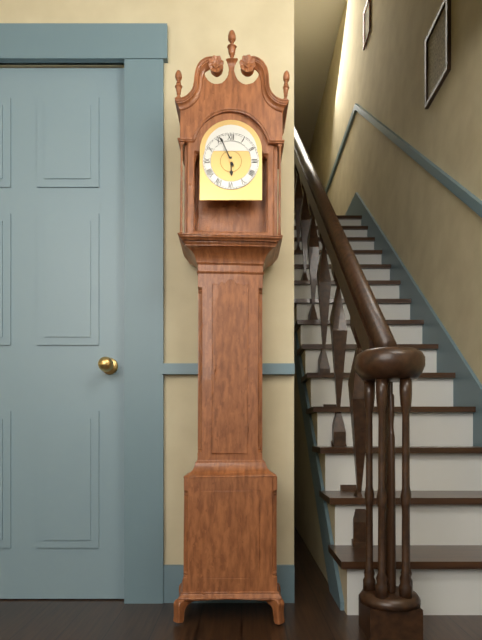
h=5 m=56
